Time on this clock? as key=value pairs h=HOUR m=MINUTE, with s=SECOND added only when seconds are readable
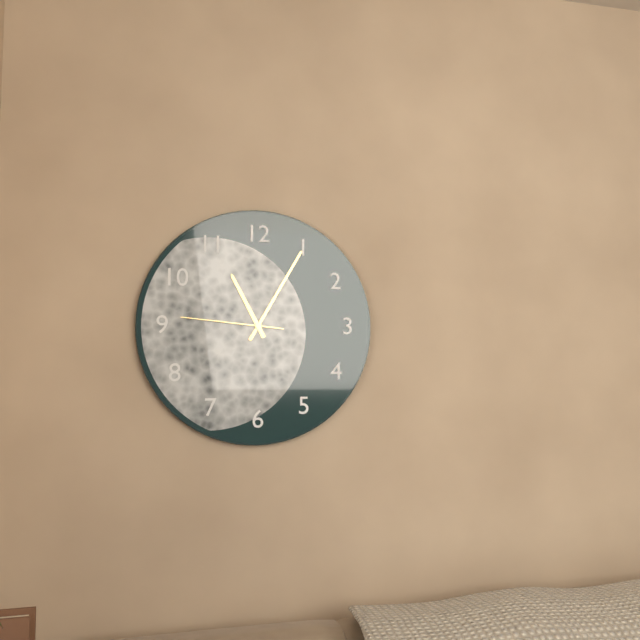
h=11 m=5 s=46
